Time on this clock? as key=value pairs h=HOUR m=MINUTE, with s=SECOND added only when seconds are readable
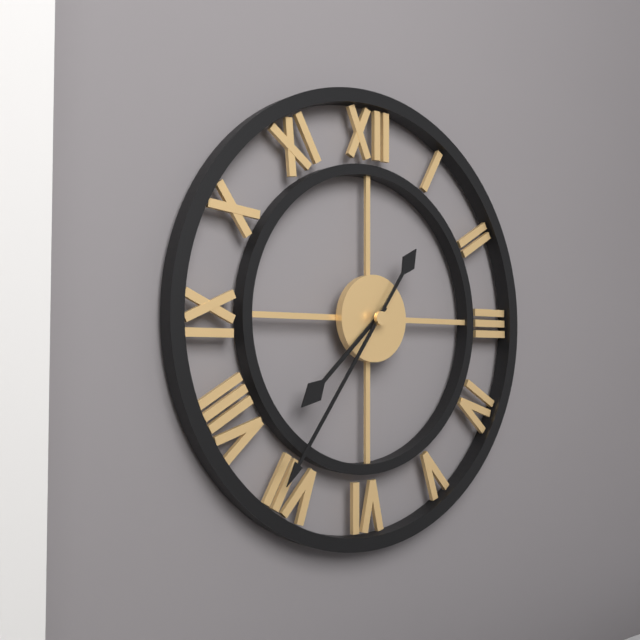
h=7 m=36
